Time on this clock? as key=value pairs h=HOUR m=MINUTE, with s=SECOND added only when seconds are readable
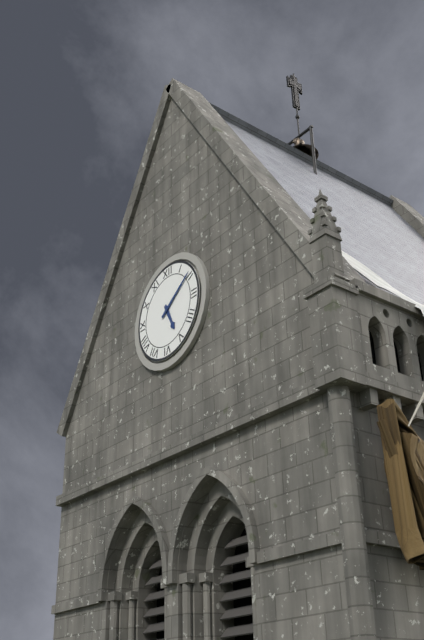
h=5 m=9
